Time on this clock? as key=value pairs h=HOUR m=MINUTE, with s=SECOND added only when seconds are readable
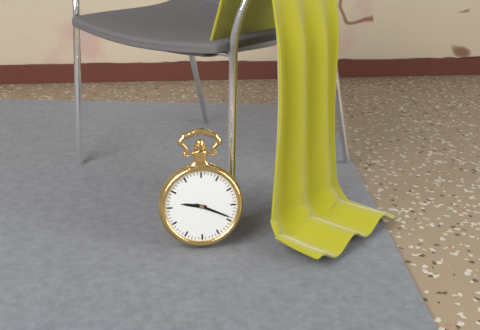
h=9 m=19
